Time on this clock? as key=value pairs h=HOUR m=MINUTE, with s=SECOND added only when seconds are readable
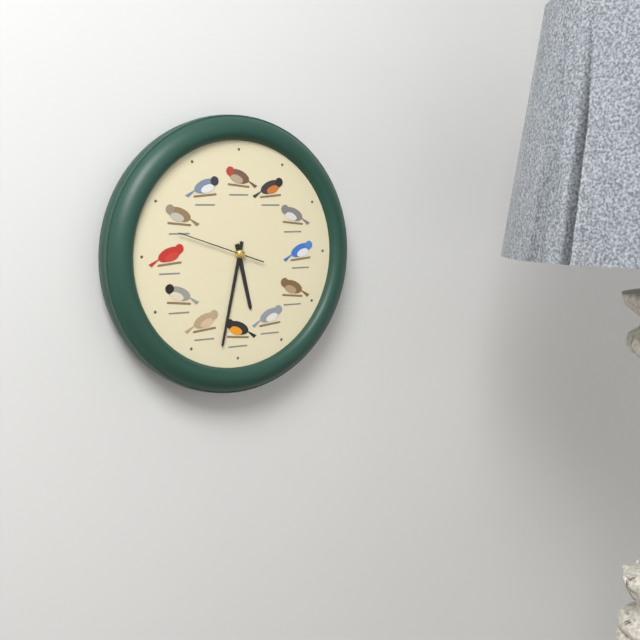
h=5 m=32 s=48
